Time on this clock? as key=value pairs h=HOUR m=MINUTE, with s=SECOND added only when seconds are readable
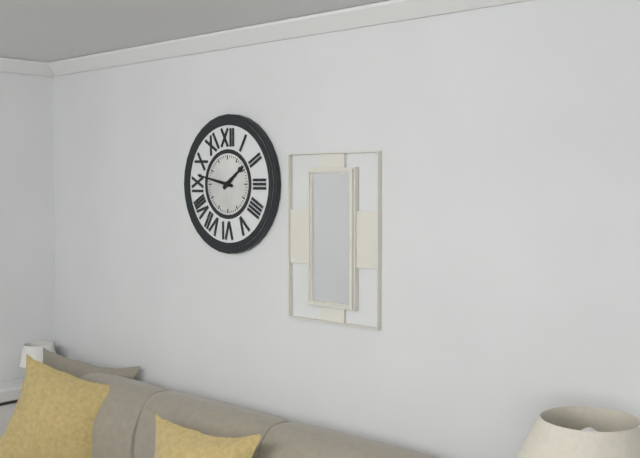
h=1 m=47
